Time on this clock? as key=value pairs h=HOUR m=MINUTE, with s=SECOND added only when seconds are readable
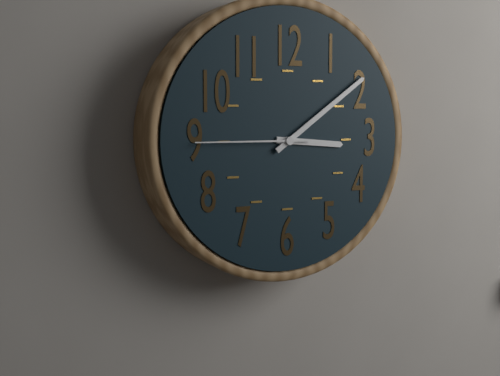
h=3 m=9 s=45
